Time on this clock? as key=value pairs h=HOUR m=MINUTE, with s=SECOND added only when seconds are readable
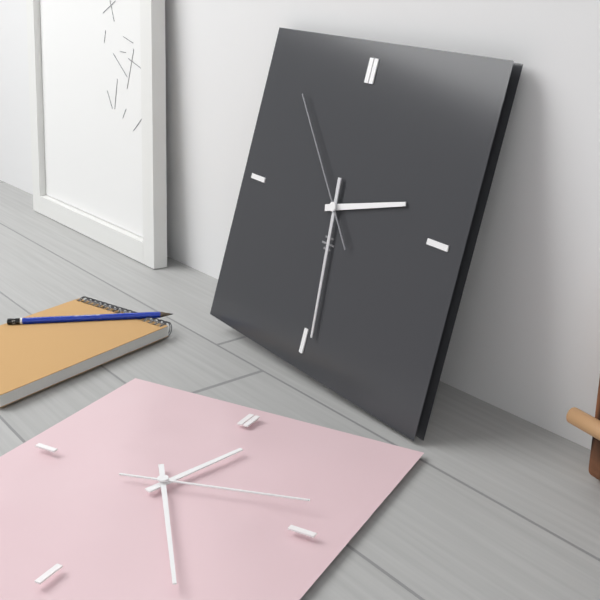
h=2 m=29 s=53
